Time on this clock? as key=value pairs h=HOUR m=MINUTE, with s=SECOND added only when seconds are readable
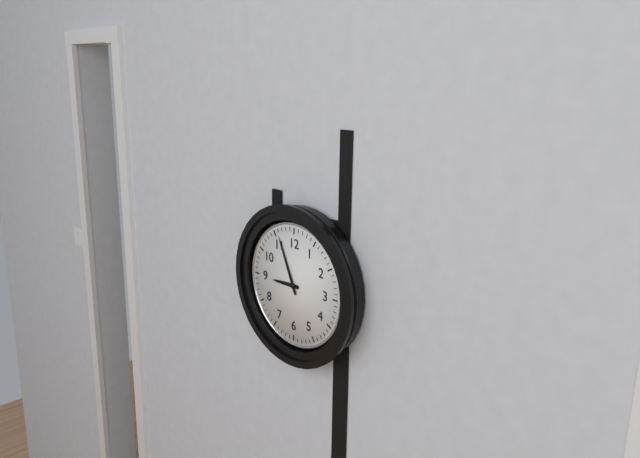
h=8 m=56
